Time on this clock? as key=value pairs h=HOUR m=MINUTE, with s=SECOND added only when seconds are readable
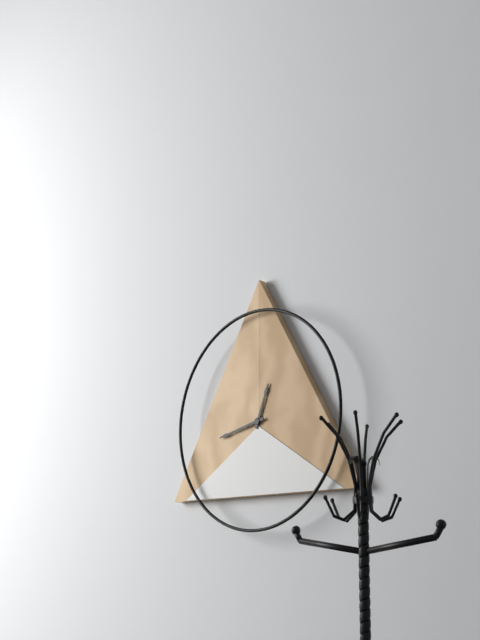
h=12 m=43
